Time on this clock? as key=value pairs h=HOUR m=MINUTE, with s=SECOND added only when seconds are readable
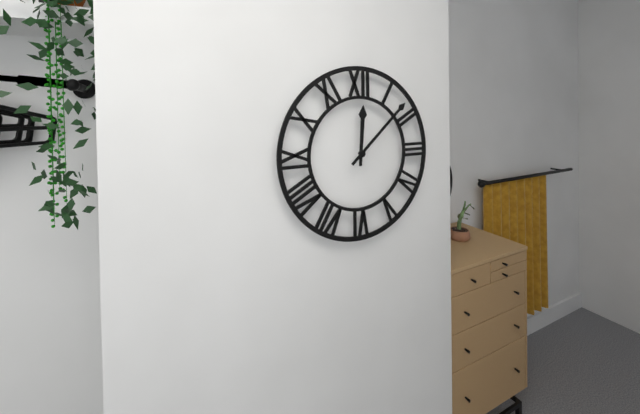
h=12 m=8
